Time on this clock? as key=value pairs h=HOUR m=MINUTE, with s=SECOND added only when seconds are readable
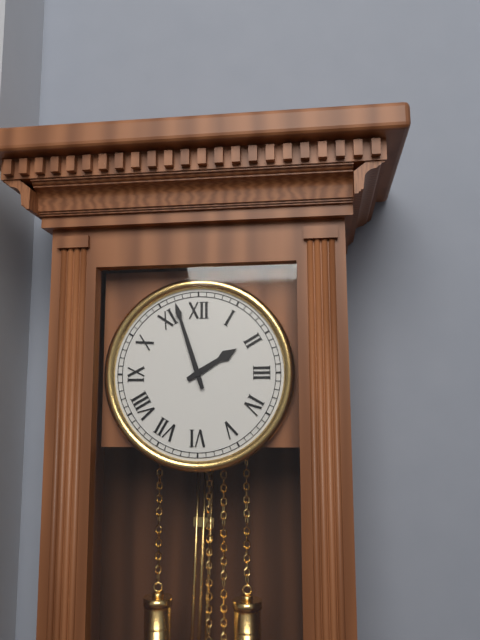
h=1 m=57
